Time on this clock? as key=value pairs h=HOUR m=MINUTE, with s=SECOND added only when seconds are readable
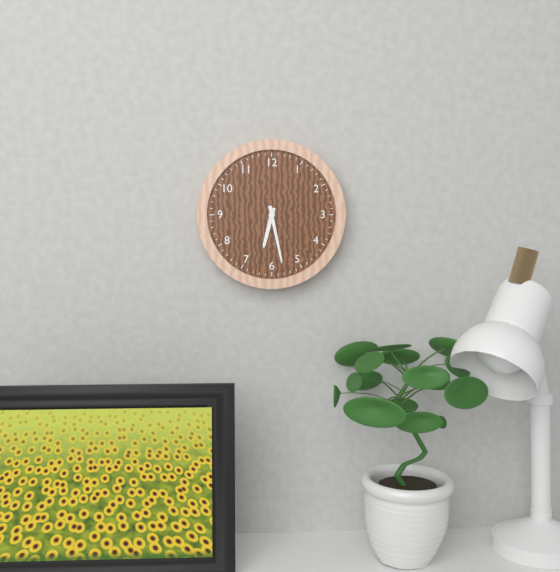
h=6 m=28
